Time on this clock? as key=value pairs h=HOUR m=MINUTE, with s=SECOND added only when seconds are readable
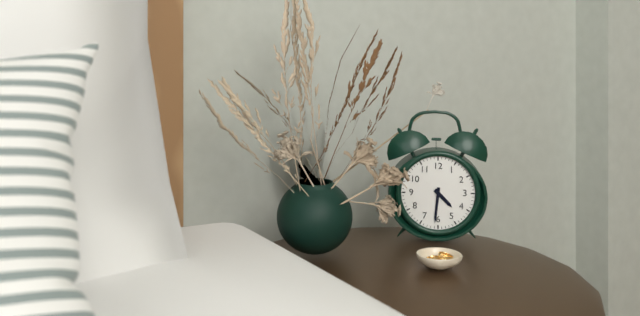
h=4 m=31
